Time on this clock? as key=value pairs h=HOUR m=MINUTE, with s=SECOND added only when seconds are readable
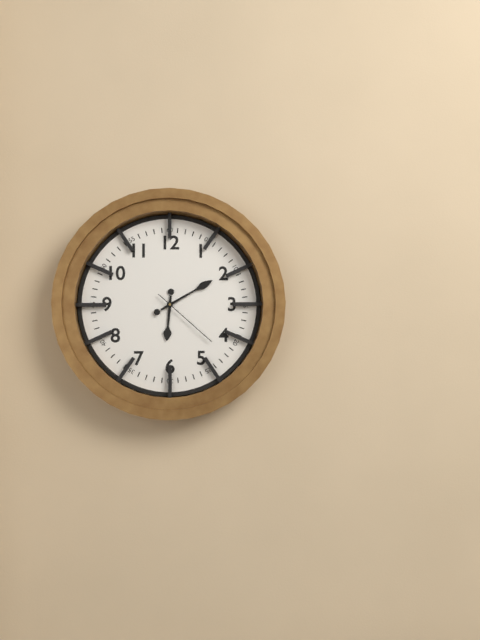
h=6 m=10 s=22
